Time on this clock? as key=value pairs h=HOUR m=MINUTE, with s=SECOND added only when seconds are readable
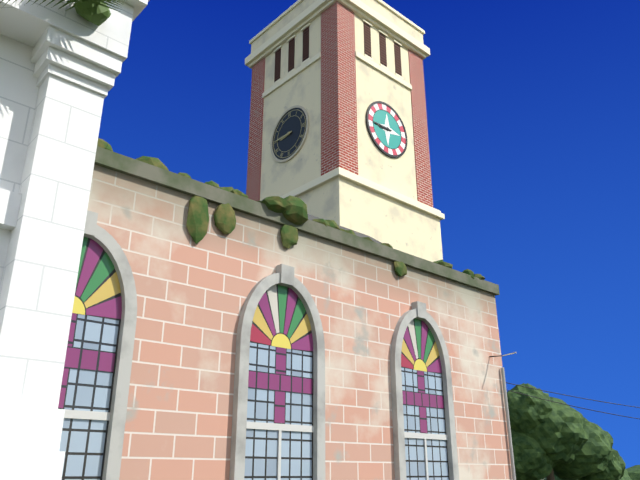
h=8 m=45
